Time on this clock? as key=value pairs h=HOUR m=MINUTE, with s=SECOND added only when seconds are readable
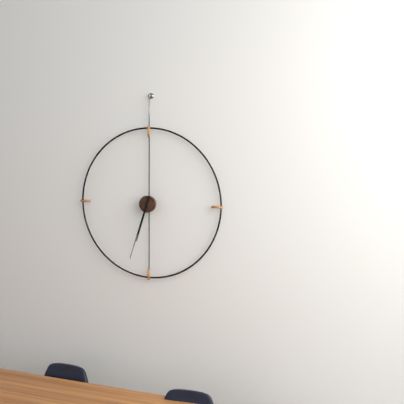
h=6 m=33
